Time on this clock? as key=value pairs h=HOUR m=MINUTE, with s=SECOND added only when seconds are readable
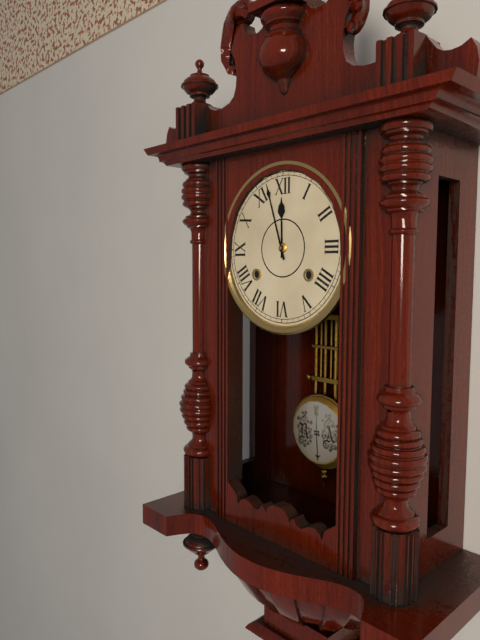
h=11 m=57
